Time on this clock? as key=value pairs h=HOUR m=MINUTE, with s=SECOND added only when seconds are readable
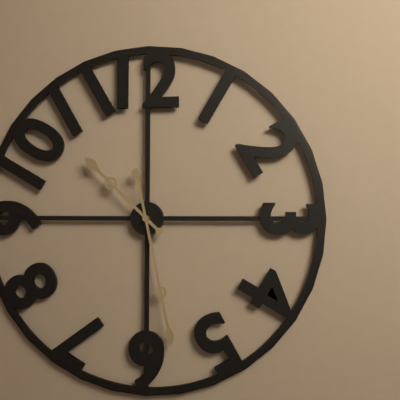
h=10 m=28
